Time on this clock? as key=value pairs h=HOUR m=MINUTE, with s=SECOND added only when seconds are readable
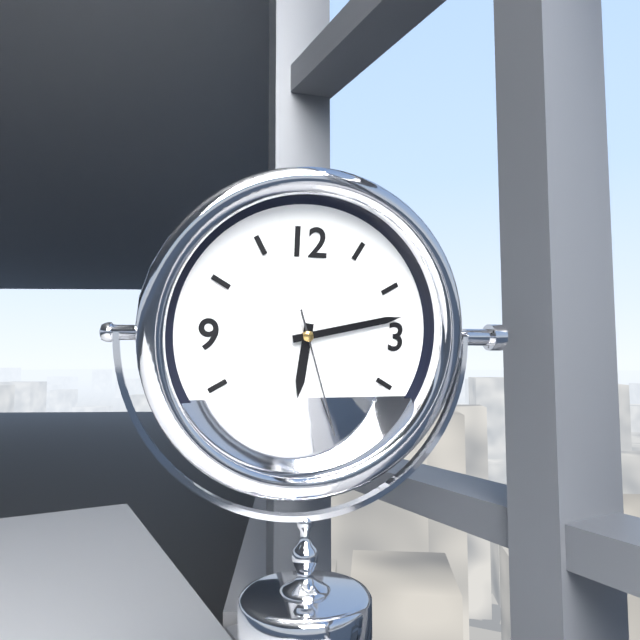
h=6 m=13 s=27
